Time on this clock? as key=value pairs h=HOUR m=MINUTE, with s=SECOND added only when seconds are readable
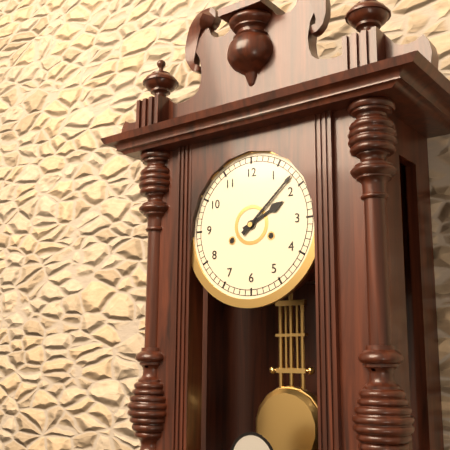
h=2 m=8
